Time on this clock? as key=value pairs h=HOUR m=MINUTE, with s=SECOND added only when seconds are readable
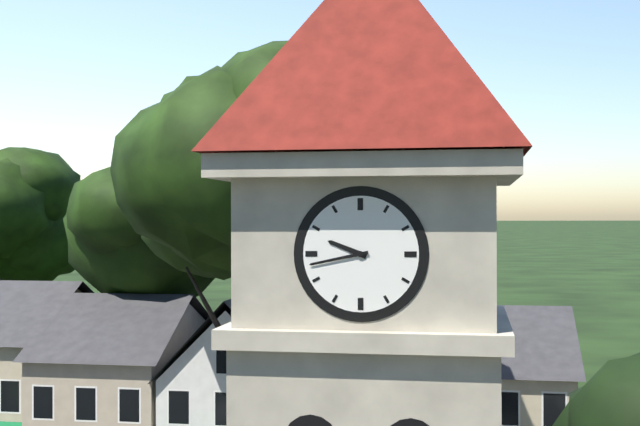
h=9 m=43
